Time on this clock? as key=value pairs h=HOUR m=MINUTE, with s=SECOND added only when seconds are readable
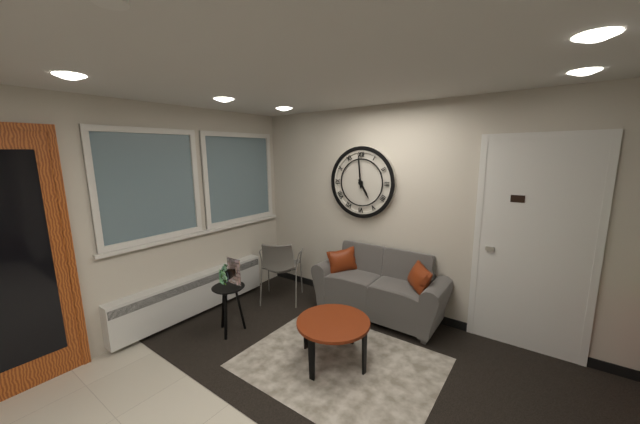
h=4 m=59
